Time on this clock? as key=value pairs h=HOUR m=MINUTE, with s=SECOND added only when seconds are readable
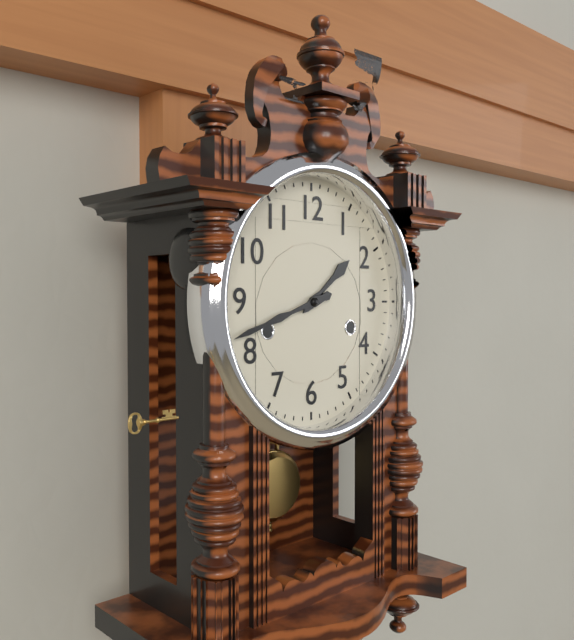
h=1 m=42
